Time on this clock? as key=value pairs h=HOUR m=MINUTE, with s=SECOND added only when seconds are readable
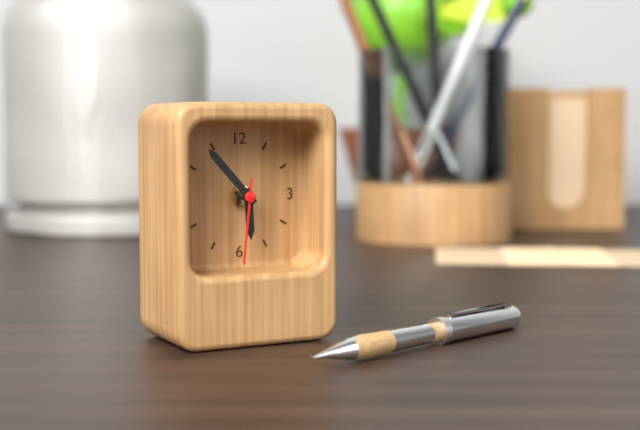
h=5 m=53 s=31
